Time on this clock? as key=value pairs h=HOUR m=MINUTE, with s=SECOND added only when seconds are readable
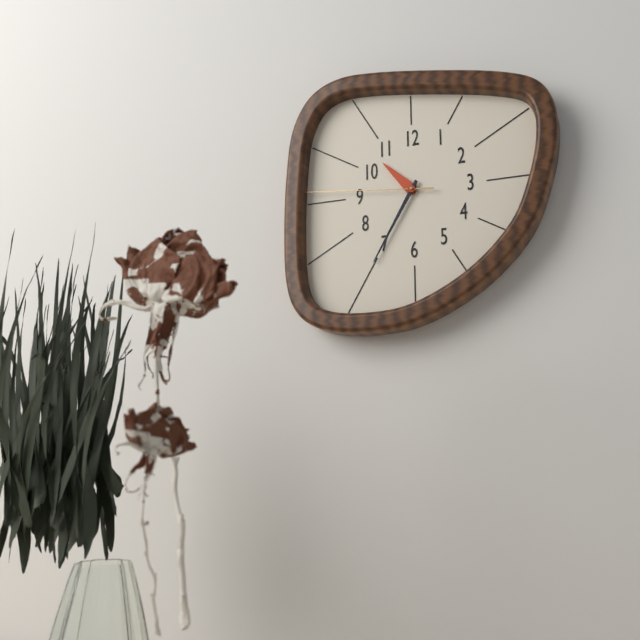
h=10 m=35 s=46
